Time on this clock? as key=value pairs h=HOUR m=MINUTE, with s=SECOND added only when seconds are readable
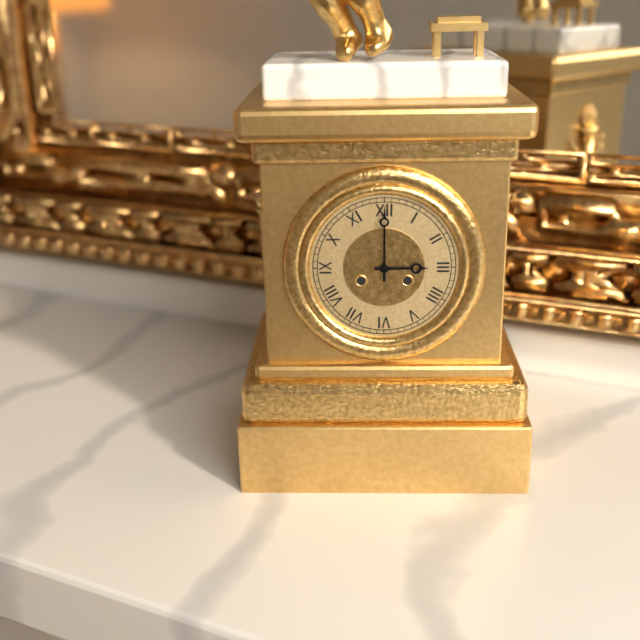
h=3 m=0
